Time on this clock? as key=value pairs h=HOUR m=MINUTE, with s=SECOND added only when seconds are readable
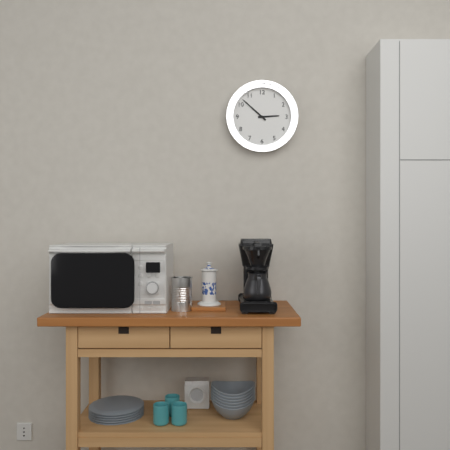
h=2 m=52
